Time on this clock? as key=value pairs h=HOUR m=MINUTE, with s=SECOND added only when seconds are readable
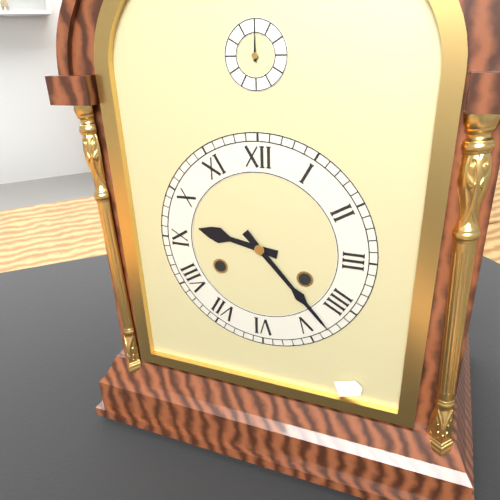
h=9 m=23
